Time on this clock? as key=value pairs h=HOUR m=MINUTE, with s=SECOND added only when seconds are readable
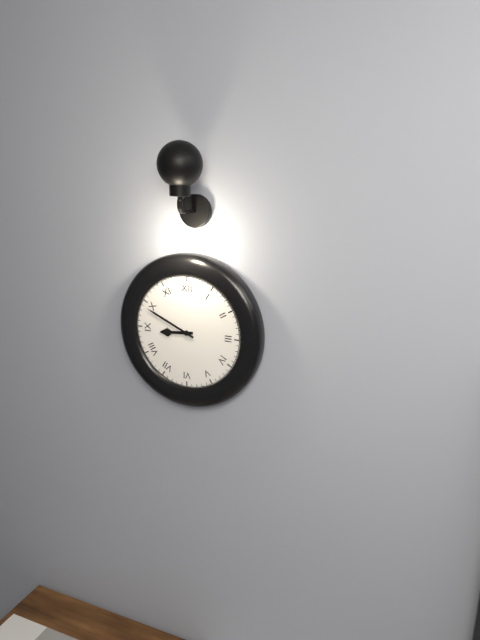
h=8 m=49
